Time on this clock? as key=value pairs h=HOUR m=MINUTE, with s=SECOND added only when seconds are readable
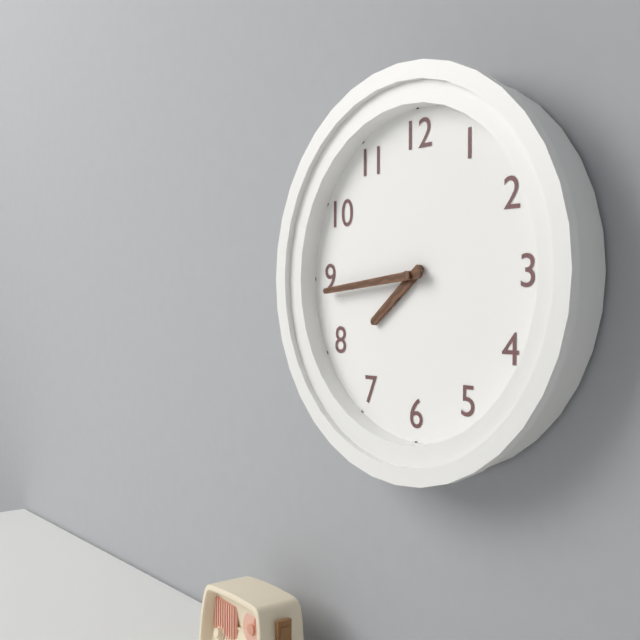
h=7 m=44
